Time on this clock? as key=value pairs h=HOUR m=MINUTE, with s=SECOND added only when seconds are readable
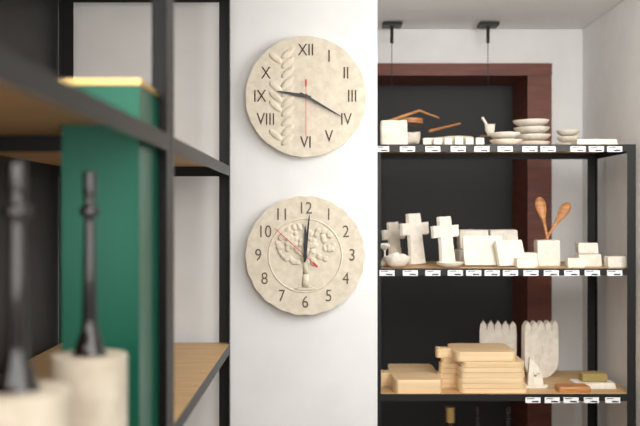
h=9 m=20 s=30
